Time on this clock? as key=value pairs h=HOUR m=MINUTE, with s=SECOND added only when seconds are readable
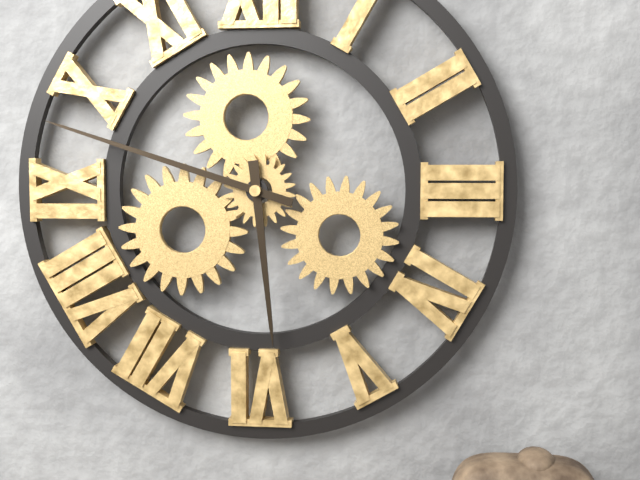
h=5 m=48
